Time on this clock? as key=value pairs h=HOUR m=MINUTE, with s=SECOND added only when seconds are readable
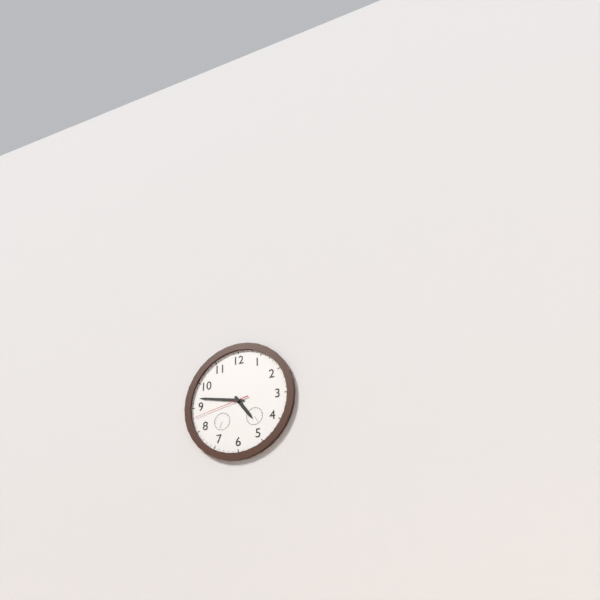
h=4 m=47 s=43
